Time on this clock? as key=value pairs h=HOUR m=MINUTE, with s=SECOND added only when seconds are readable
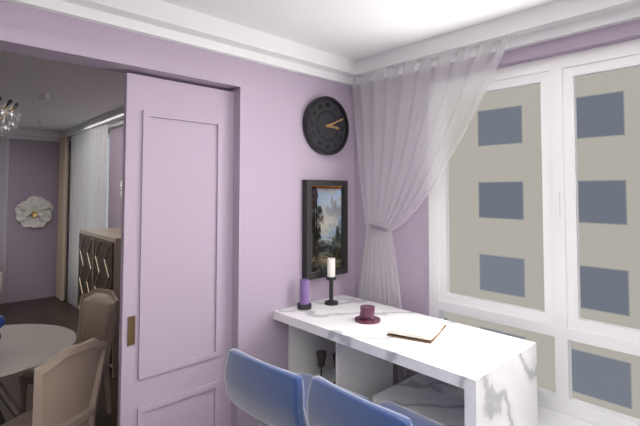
h=3 m=11
